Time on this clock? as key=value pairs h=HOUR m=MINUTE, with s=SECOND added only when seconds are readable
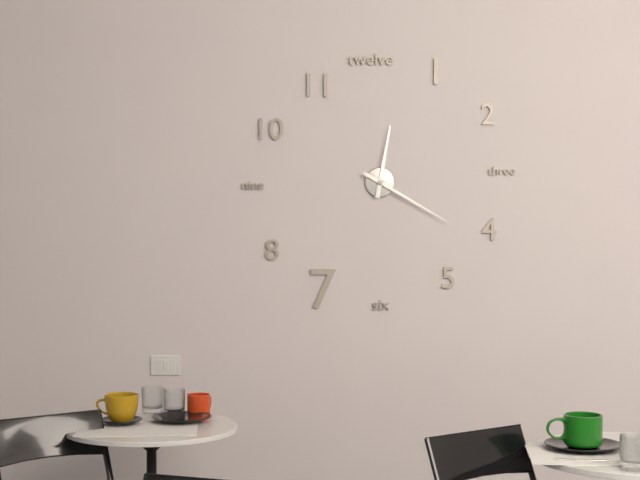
h=12 m=20
